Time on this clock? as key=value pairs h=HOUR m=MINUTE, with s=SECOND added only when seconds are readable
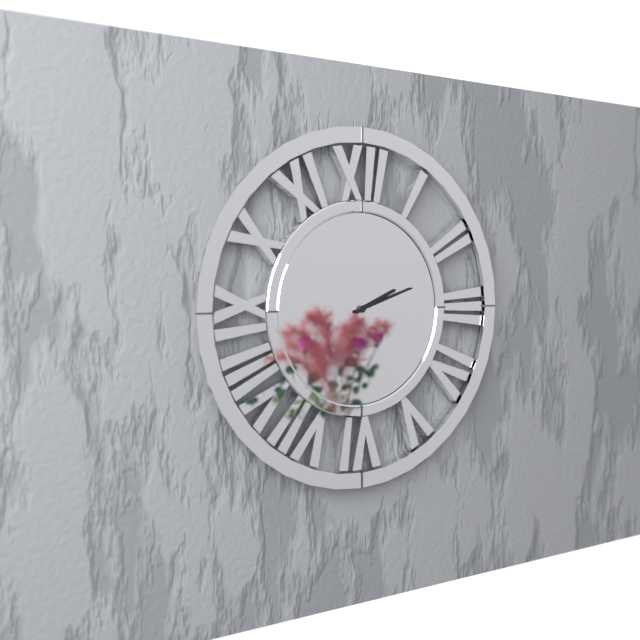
h=2 m=12
